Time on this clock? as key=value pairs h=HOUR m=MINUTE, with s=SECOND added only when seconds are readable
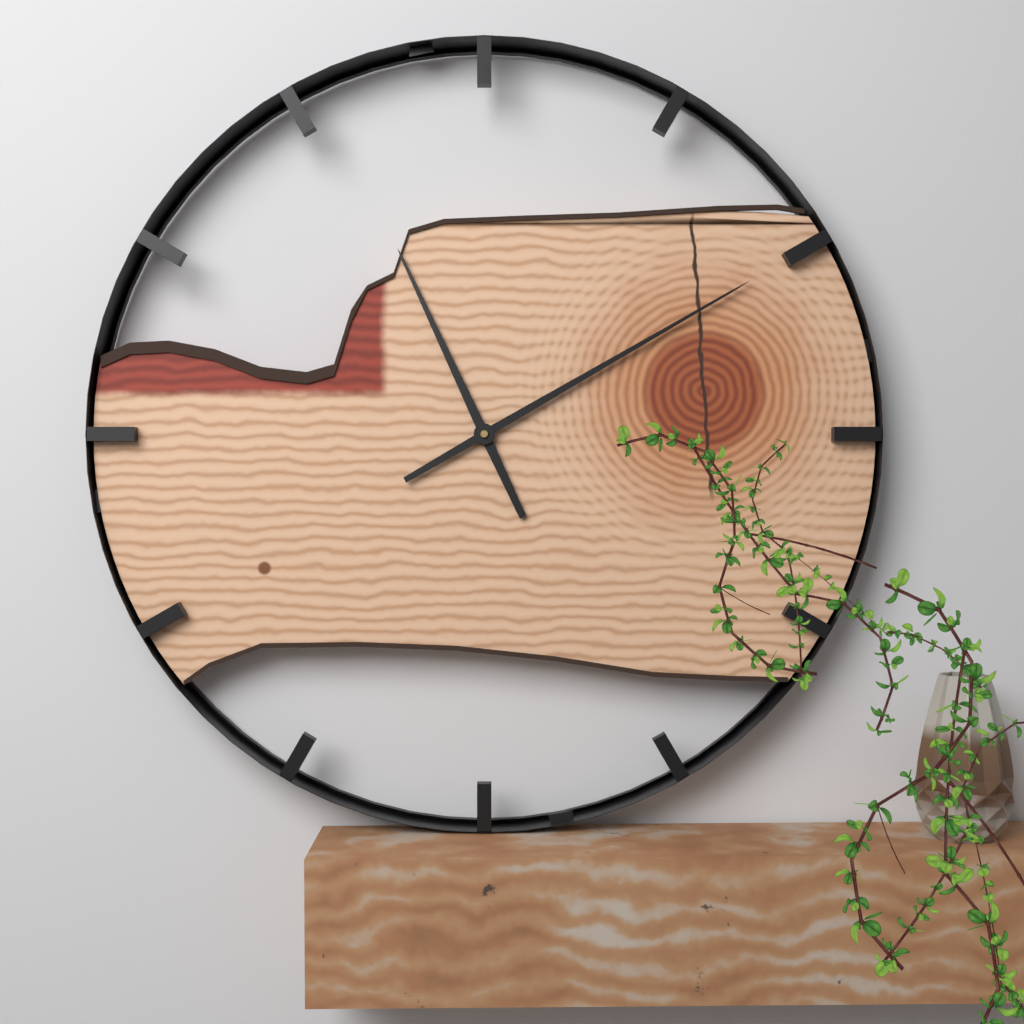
h=11 m=10
